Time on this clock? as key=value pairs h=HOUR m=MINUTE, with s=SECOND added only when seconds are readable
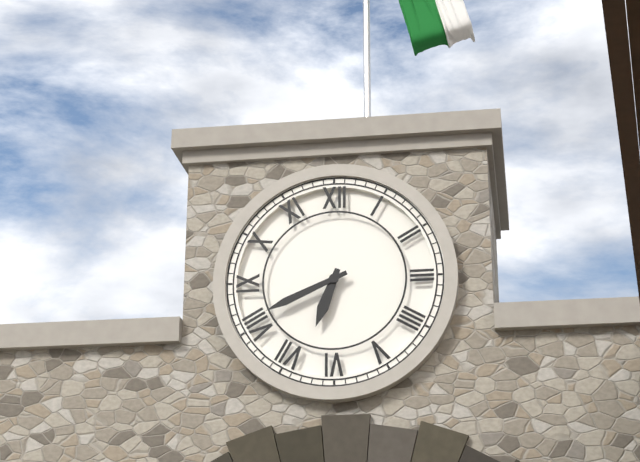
h=6 m=41
